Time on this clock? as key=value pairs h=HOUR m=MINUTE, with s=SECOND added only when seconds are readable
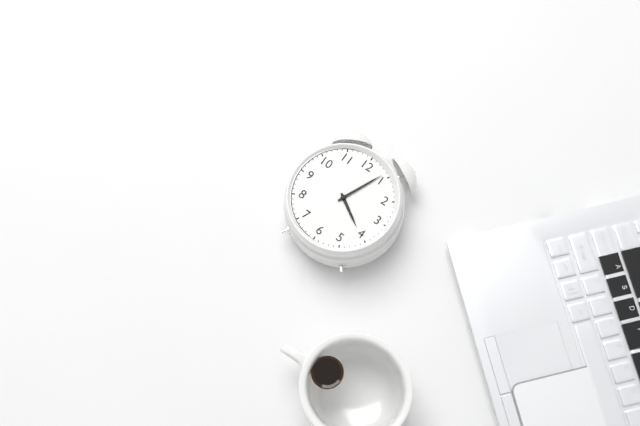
h=4 m=4
